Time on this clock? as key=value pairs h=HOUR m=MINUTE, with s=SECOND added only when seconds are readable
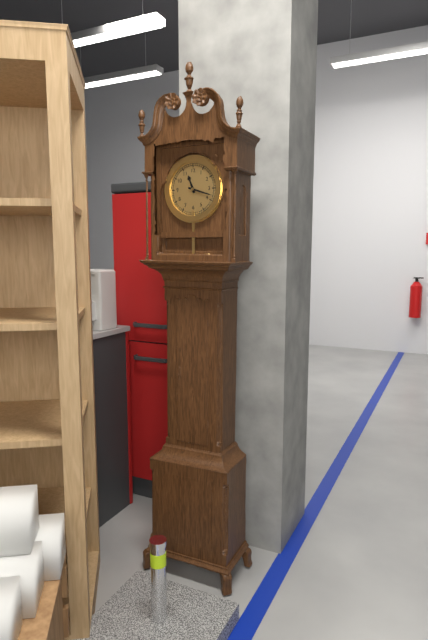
h=11 m=18
